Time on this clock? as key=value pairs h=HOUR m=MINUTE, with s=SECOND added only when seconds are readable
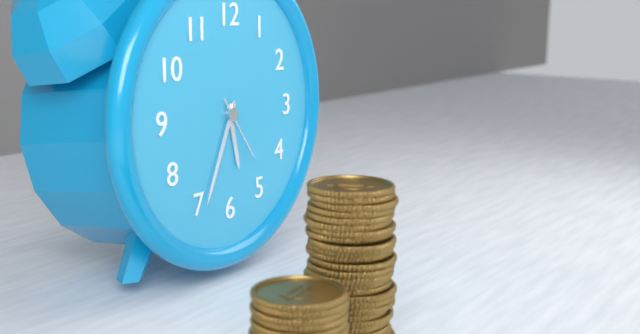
h=5 m=34 s=24
